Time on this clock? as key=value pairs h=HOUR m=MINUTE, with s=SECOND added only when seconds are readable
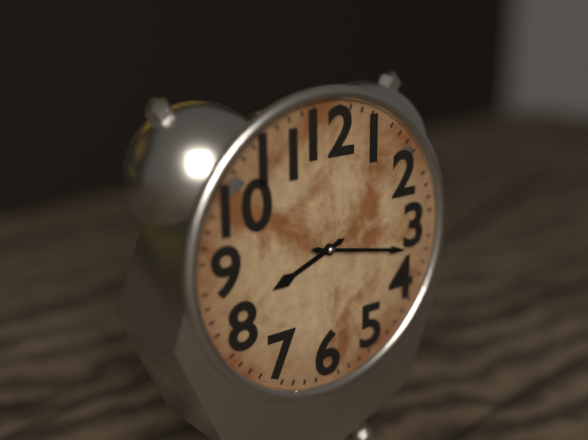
h=8 m=17
